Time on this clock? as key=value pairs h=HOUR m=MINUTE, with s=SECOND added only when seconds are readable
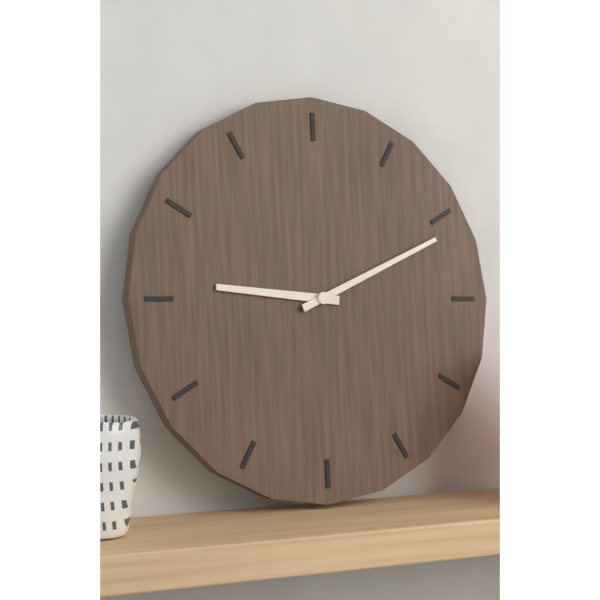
h=9 m=11
